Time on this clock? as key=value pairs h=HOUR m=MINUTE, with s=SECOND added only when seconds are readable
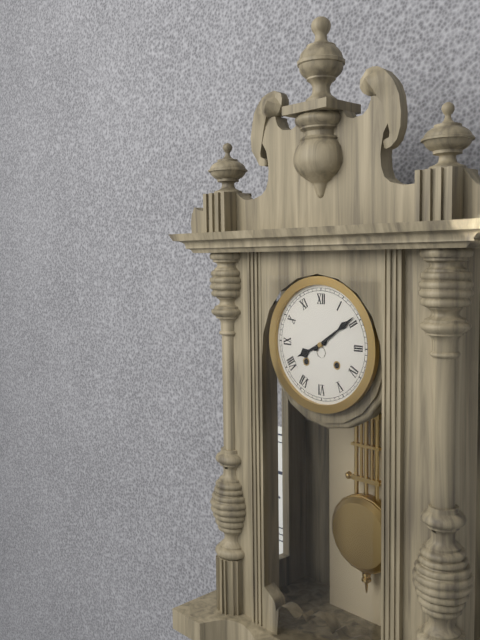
h=8 m=9
